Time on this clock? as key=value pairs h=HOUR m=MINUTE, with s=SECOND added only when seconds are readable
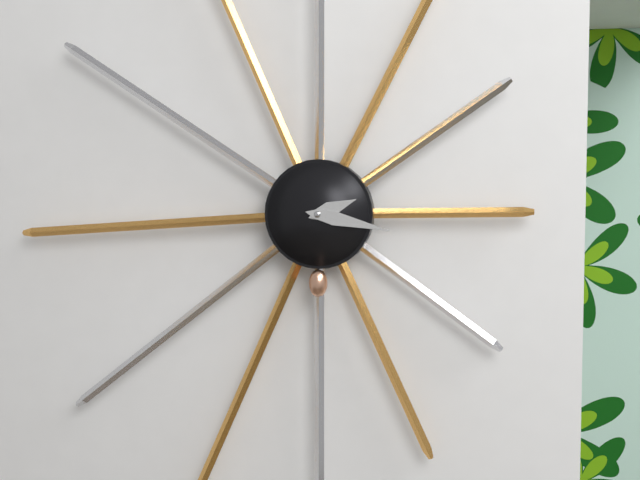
h=2 m=17
